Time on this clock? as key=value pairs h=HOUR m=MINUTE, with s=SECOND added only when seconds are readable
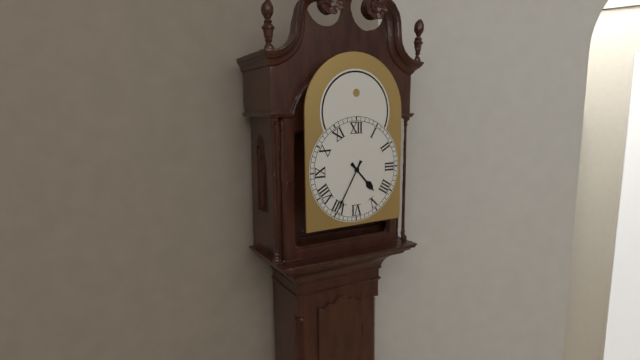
h=4 m=35
